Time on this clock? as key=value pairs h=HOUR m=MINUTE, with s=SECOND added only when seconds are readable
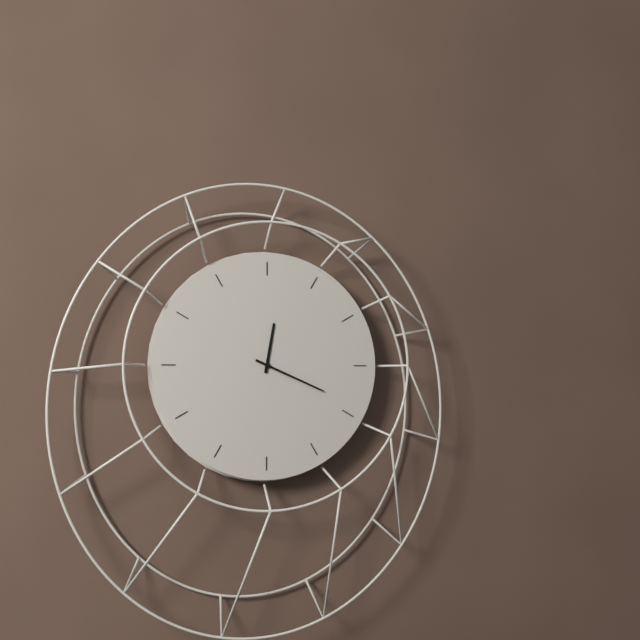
h=12 m=19
